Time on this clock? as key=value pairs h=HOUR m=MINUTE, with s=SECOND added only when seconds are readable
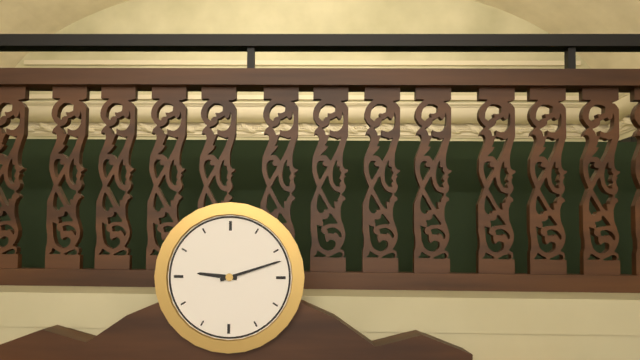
h=9 m=12
